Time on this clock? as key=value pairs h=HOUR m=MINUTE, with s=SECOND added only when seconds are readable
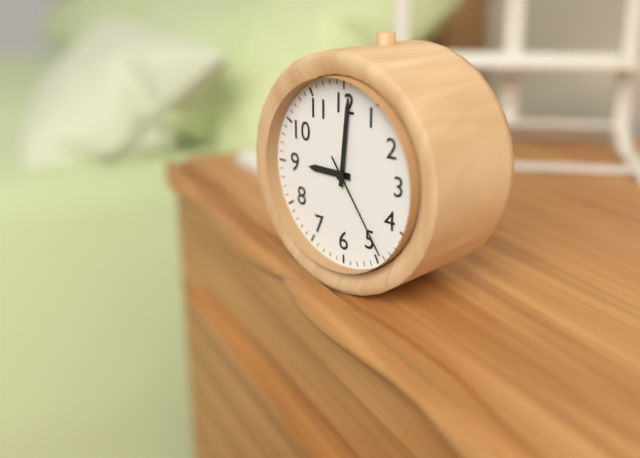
h=9 m=1 s=24
